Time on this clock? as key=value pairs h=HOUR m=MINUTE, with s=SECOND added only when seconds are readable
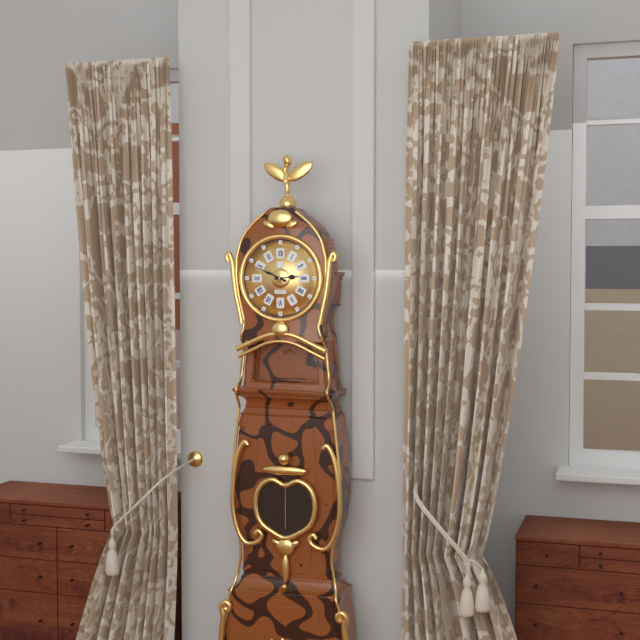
h=2 m=49
